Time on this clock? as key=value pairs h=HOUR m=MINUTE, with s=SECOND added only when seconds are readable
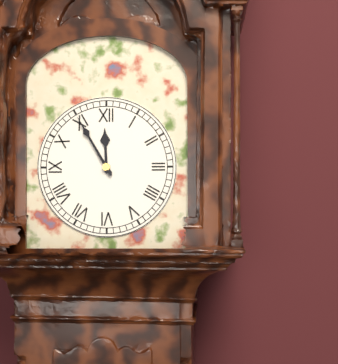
h=11 m=55
